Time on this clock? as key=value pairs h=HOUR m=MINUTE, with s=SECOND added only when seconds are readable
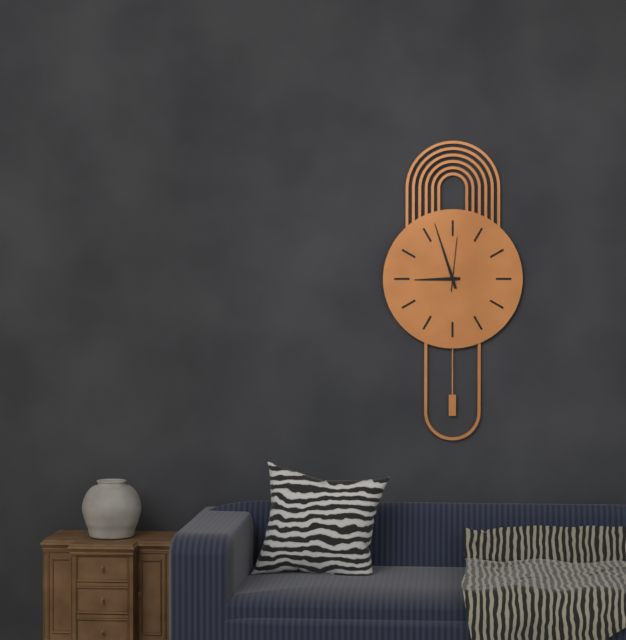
h=8 m=57 s=1
